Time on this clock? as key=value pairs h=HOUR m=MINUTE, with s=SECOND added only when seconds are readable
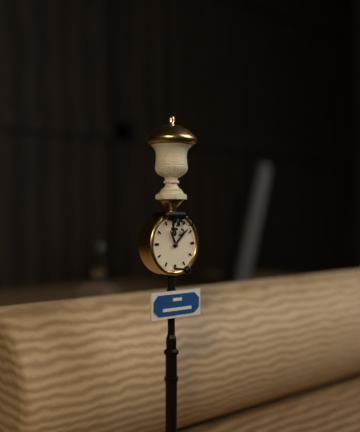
h=11 m=8
